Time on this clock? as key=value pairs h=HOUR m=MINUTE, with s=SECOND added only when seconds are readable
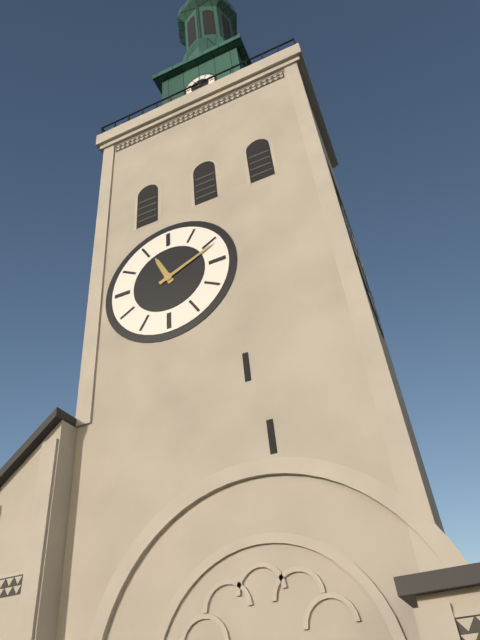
h=11 m=11
